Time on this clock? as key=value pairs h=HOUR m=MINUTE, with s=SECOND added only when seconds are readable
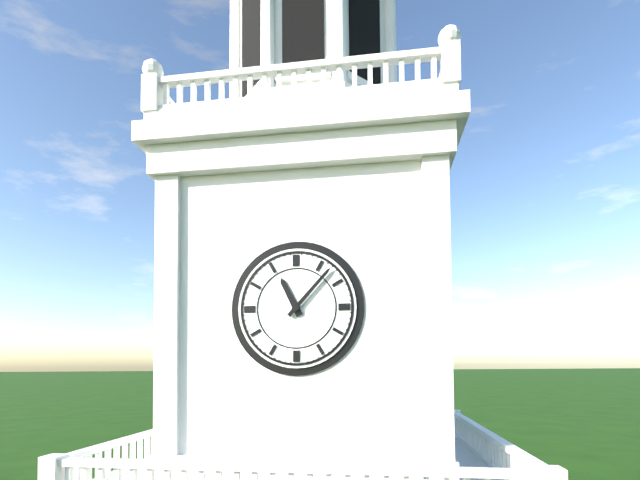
h=11 m=7
